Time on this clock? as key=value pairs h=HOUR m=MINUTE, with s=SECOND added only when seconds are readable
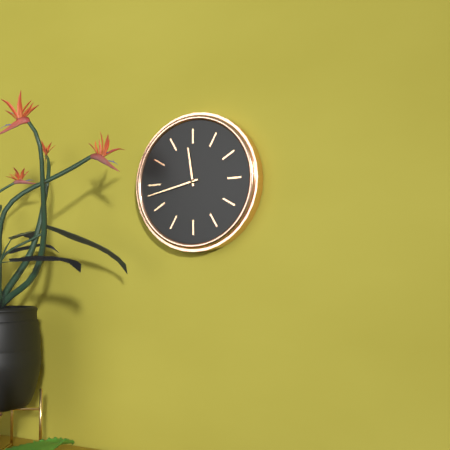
h=11 m=43
